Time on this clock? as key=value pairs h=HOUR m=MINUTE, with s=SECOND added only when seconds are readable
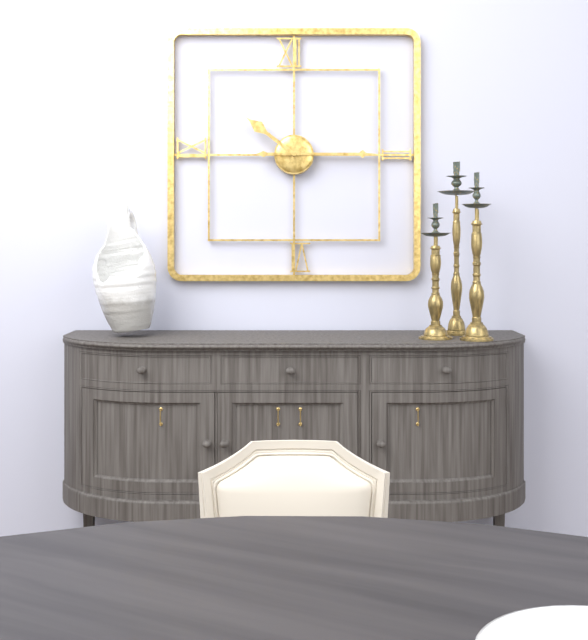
h=10 m=15
